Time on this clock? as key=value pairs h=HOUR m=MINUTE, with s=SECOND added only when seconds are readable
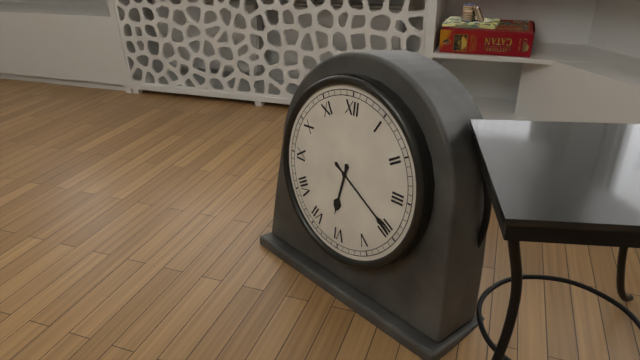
h=6 m=20
